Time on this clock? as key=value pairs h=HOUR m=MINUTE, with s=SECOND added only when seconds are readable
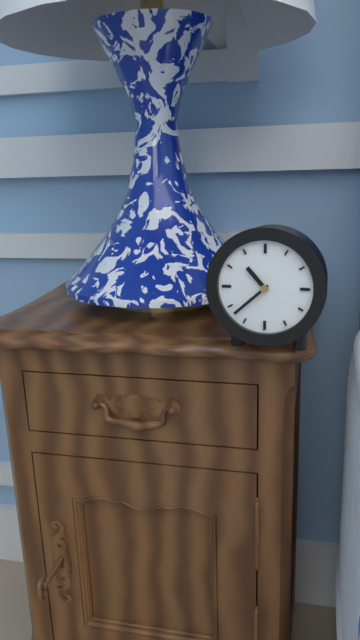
h=10 m=38
